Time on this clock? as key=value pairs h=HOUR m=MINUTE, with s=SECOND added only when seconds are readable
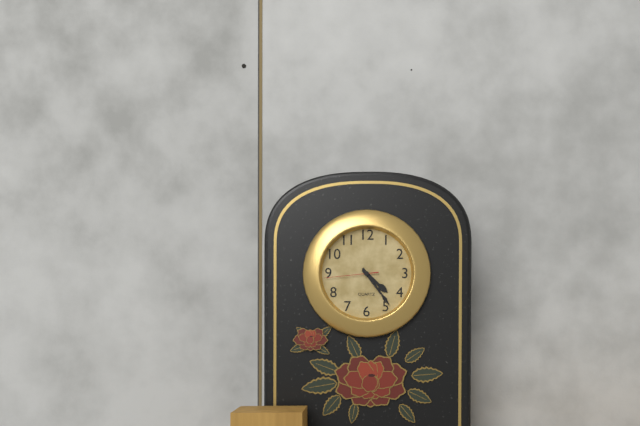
h=4 m=24 s=44
